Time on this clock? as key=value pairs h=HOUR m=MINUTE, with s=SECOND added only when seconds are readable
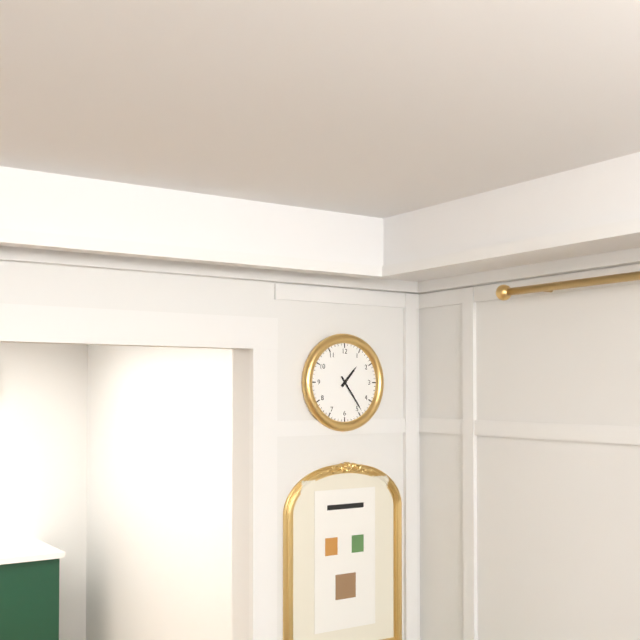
h=1 m=24
